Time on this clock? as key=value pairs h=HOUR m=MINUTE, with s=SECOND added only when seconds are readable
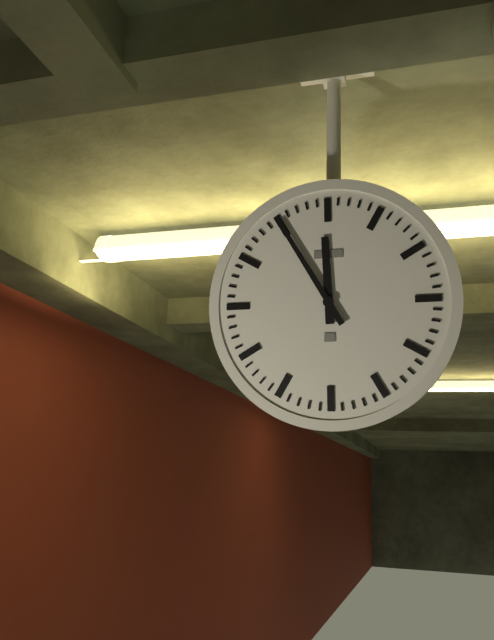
h=11 m=55
